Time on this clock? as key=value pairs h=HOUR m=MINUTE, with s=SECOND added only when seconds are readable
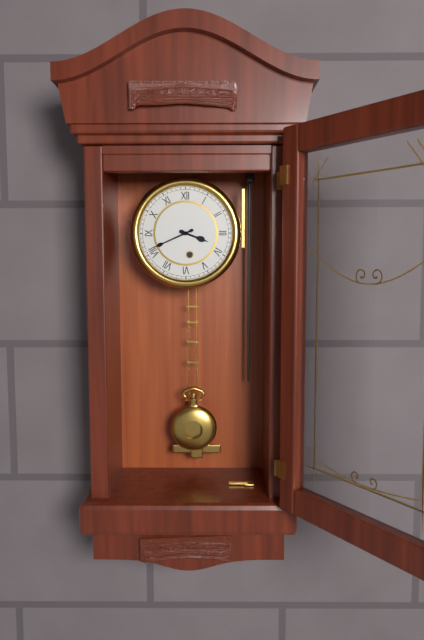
h=3 m=41
